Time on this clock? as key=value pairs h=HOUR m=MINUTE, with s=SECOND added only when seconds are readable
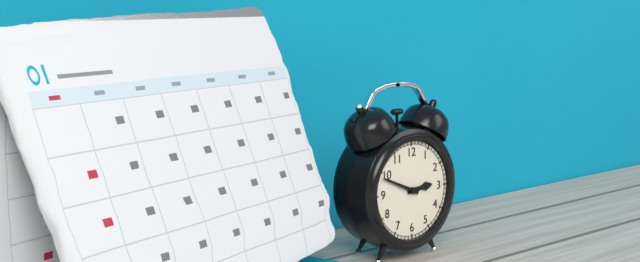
h=2 m=49
